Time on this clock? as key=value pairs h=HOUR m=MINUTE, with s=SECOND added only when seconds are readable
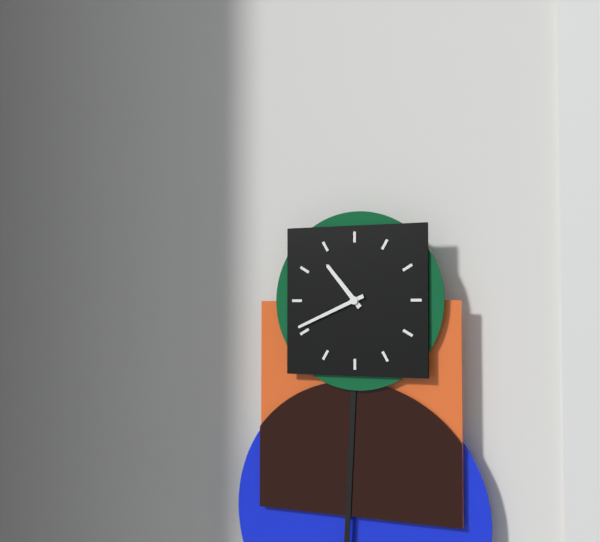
h=10 m=41
